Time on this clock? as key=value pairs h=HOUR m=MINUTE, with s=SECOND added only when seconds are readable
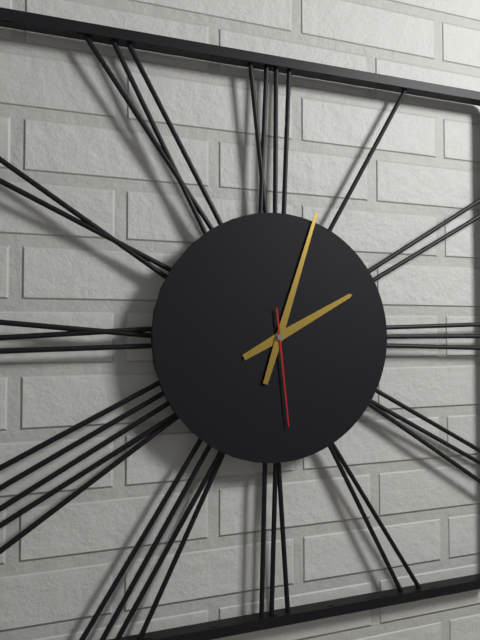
h=2 m=3 s=29
